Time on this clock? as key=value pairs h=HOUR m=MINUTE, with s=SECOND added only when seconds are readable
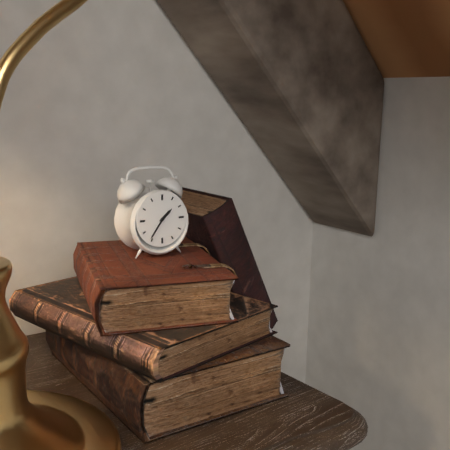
h=1 m=36
